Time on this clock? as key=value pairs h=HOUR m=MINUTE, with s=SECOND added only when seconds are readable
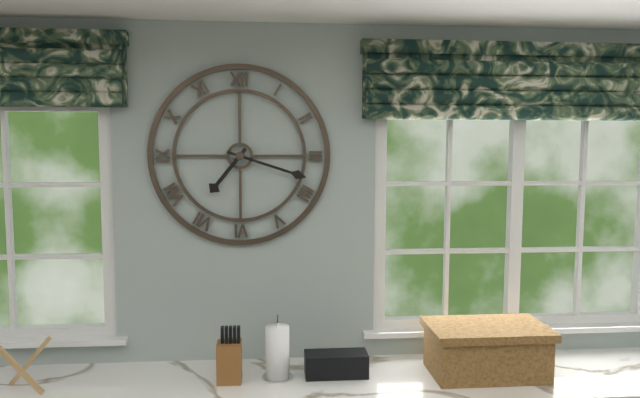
h=7 m=18
